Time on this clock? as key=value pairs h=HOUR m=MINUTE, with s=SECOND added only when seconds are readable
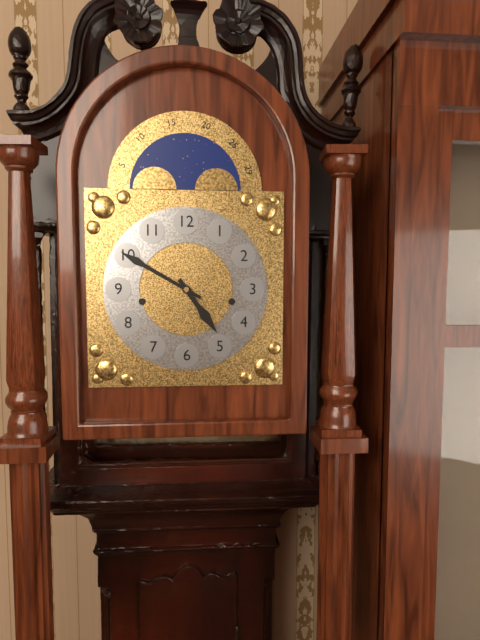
h=4 m=50
